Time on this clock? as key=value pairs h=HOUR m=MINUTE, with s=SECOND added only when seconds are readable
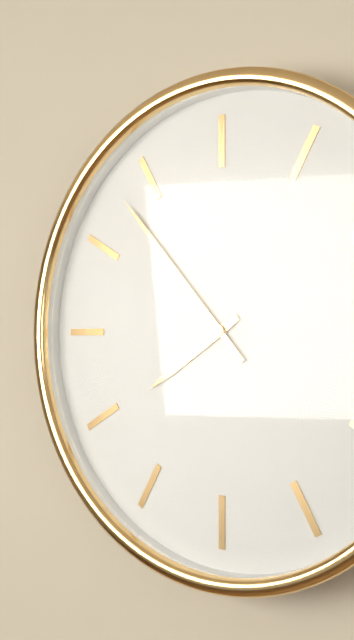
h=7 m=53
